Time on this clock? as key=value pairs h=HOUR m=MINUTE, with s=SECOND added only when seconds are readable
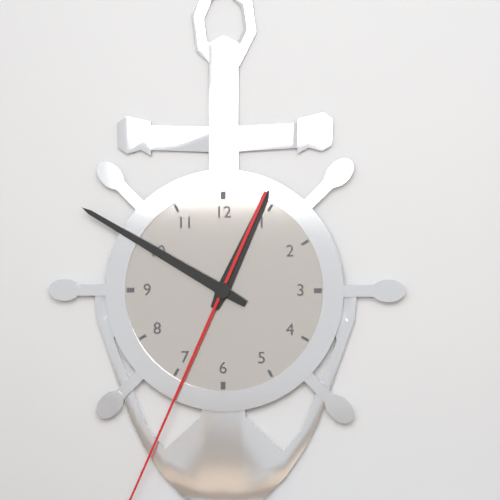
h=12 m=50
